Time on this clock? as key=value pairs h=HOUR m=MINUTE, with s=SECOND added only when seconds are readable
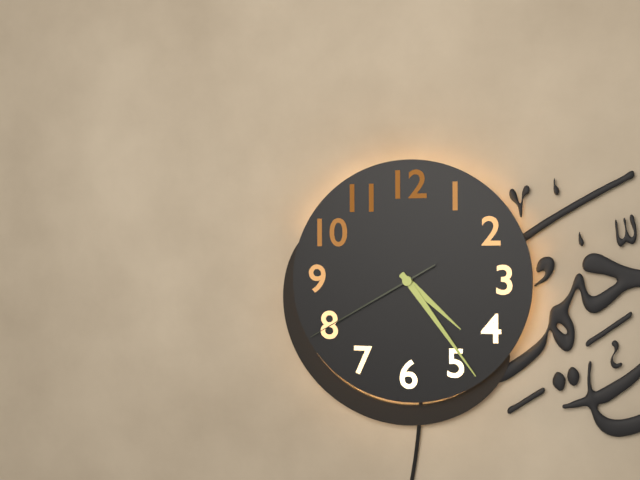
h=4 m=24 s=40
